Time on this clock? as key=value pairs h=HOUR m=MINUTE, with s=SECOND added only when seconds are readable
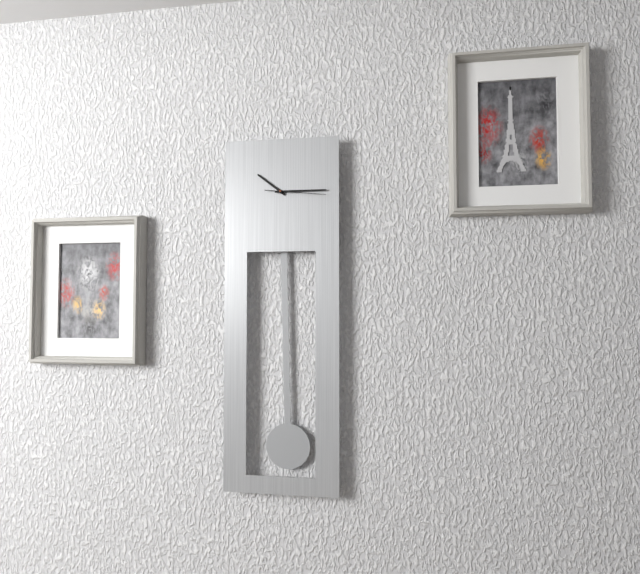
h=10 m=15 s=16
